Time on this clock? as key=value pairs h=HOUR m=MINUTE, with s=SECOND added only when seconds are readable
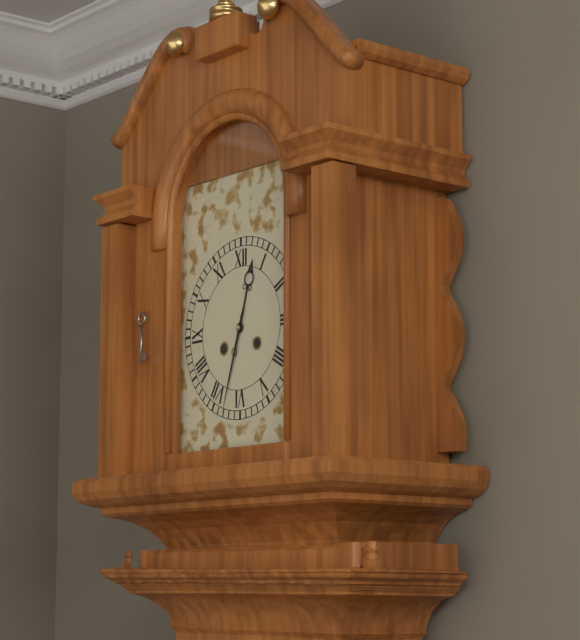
h=12 m=33
